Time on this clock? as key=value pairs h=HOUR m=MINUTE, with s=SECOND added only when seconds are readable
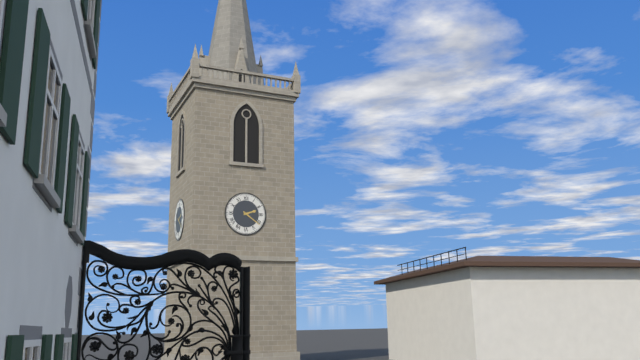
h=2 m=21
